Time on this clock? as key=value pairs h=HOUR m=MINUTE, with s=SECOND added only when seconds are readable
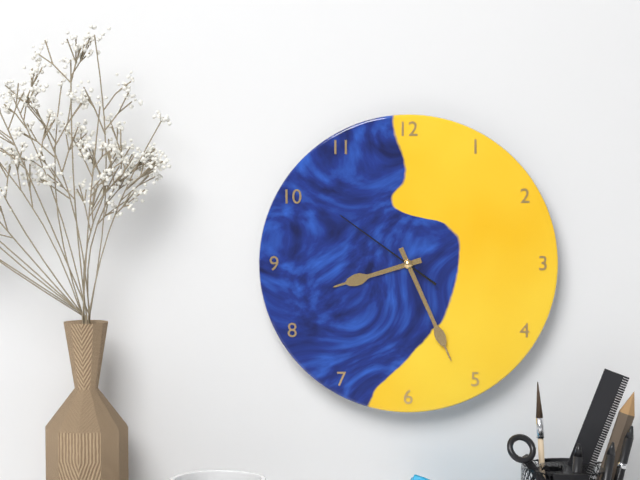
h=8 m=26 s=51
